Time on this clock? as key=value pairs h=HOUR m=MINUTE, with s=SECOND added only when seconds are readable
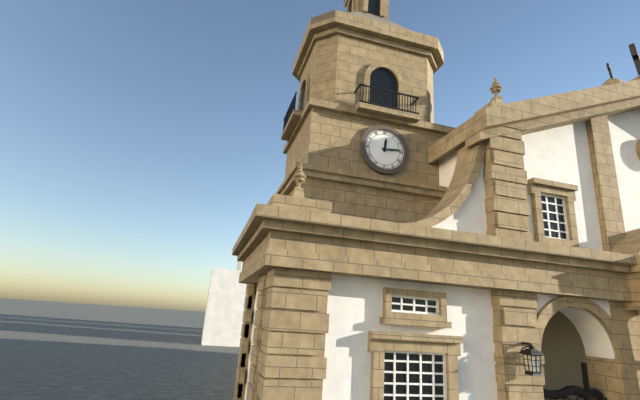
h=12 m=14
